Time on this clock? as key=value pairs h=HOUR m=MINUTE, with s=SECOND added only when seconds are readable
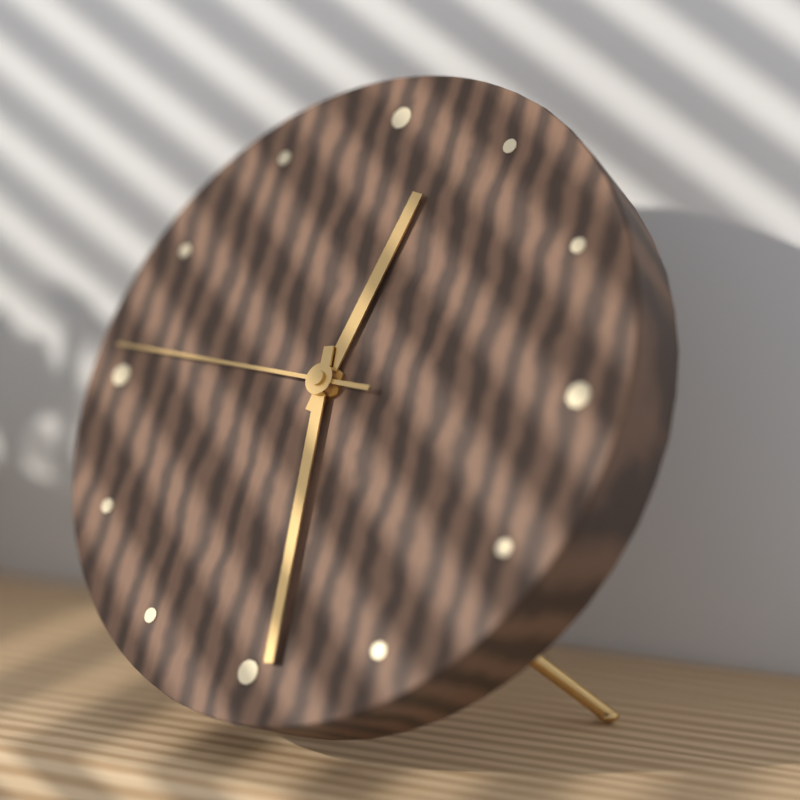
h=12 m=29 s=46
